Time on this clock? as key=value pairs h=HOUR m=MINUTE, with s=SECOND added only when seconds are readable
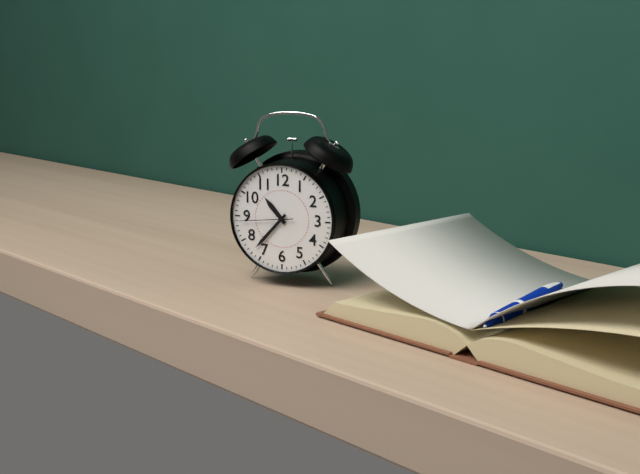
h=10 m=37 s=44
